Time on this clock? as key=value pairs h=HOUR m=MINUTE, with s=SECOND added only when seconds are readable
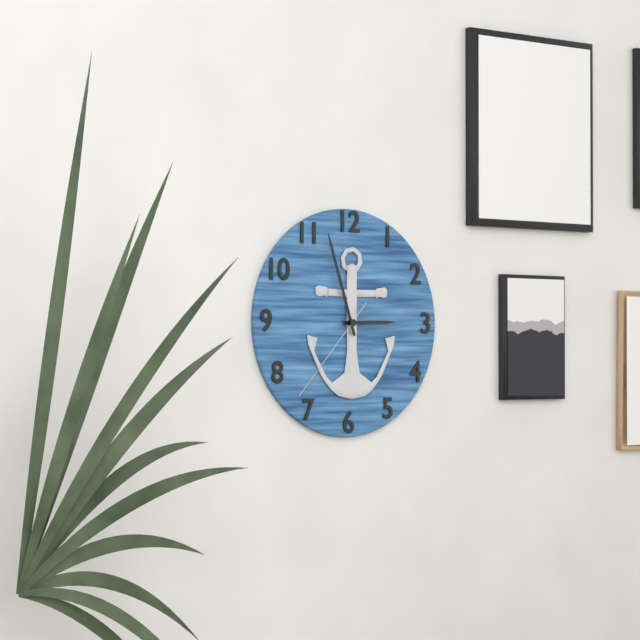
h=2 m=57 s=37
